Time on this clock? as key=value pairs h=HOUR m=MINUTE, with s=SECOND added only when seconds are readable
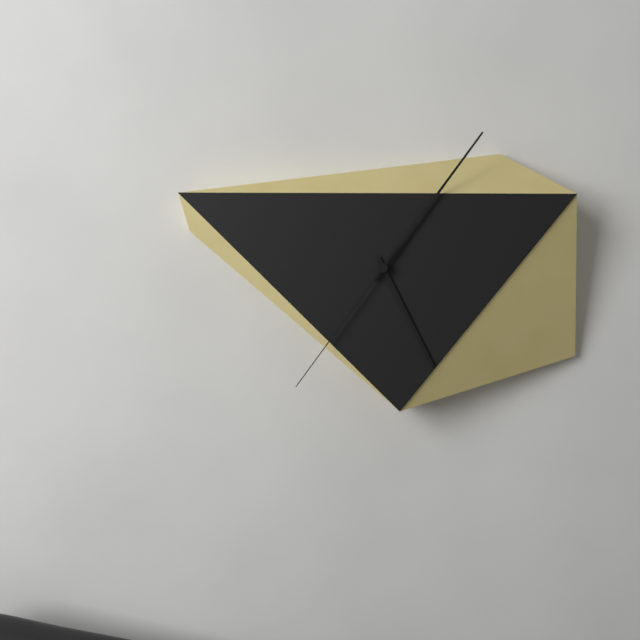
h=5 m=6 s=36
